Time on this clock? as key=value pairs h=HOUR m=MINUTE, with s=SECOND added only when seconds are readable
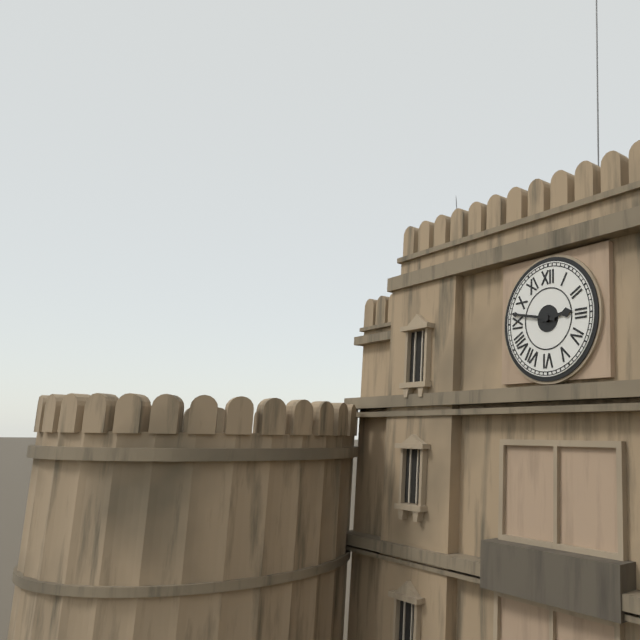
h=2 m=47
